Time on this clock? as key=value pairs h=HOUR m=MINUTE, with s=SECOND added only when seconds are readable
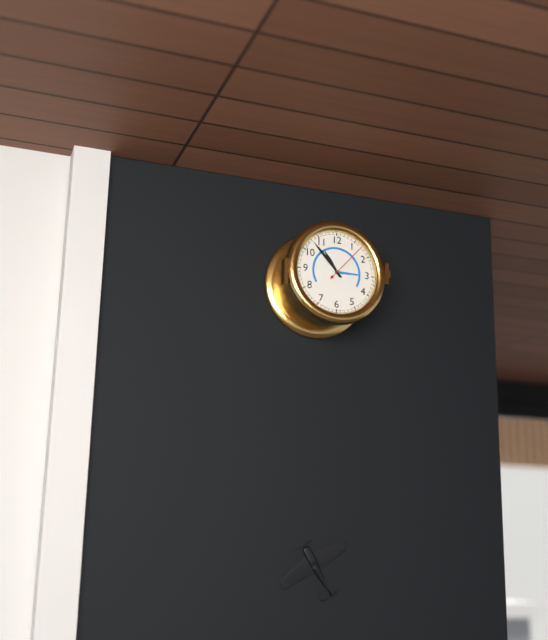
h=10 m=53
